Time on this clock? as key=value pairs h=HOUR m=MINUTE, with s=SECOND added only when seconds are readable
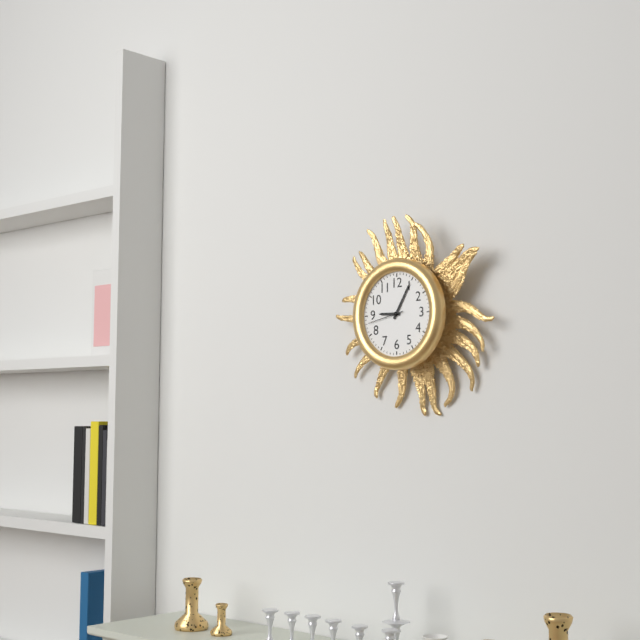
h=9 m=5
